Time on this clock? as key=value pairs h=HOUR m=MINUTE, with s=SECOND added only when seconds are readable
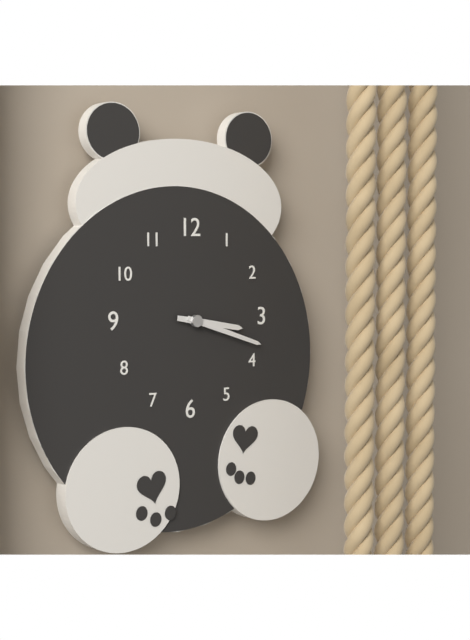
h=3 m=18
